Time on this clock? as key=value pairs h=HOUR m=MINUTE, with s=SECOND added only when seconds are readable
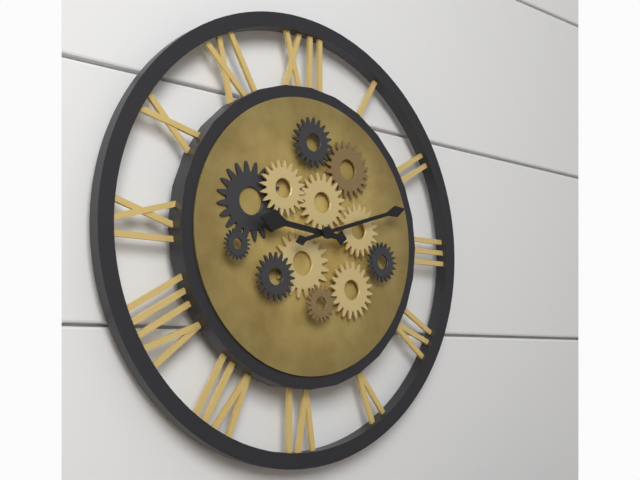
h=9 m=12
